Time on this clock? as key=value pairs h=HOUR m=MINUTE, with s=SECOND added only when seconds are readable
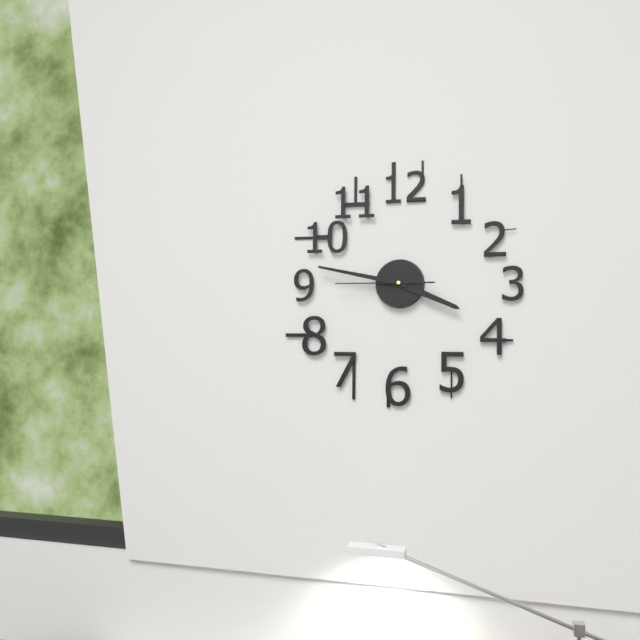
h=3 m=47 s=45
